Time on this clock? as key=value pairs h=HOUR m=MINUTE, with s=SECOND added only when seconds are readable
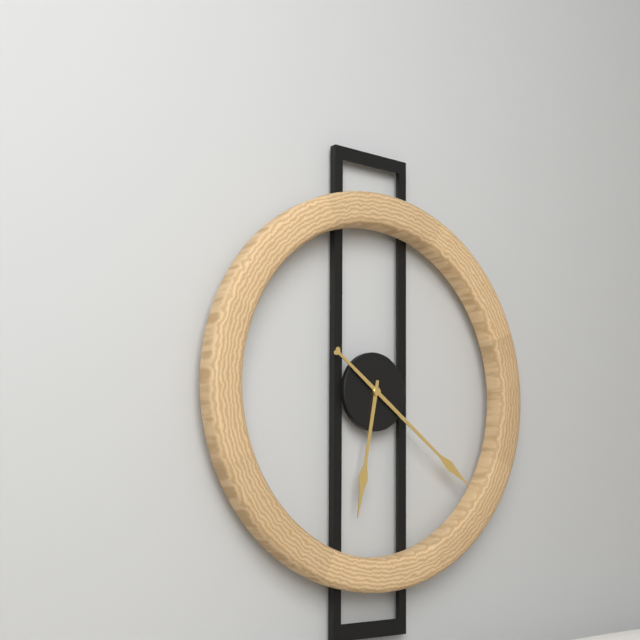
h=6 m=21
